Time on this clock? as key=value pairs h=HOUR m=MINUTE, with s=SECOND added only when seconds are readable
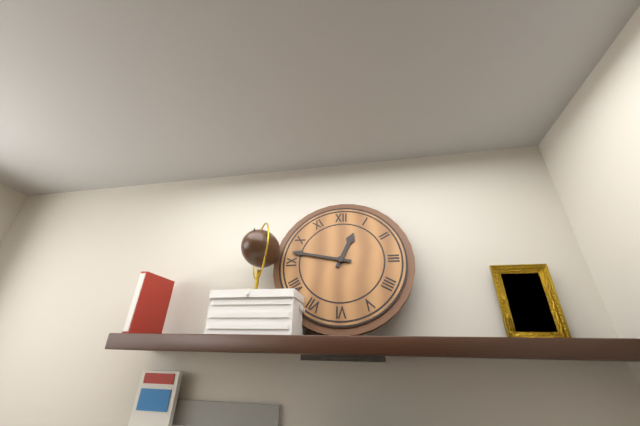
h=12 m=47
